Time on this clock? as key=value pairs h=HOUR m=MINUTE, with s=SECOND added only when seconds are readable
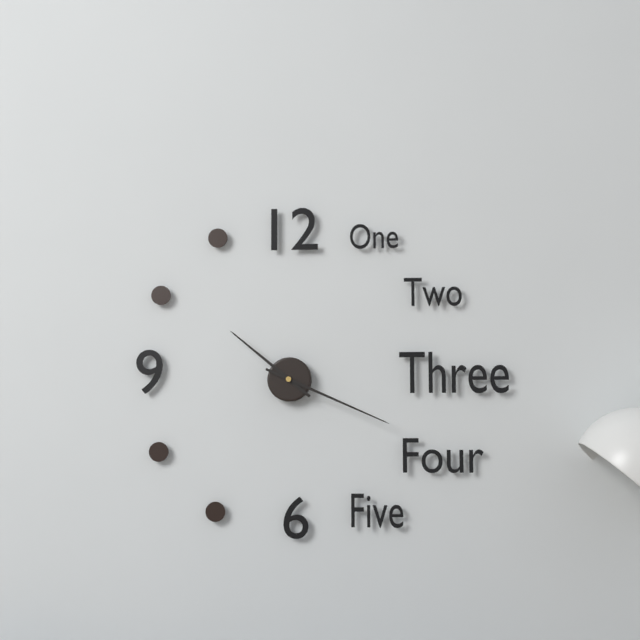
h=10 m=19
